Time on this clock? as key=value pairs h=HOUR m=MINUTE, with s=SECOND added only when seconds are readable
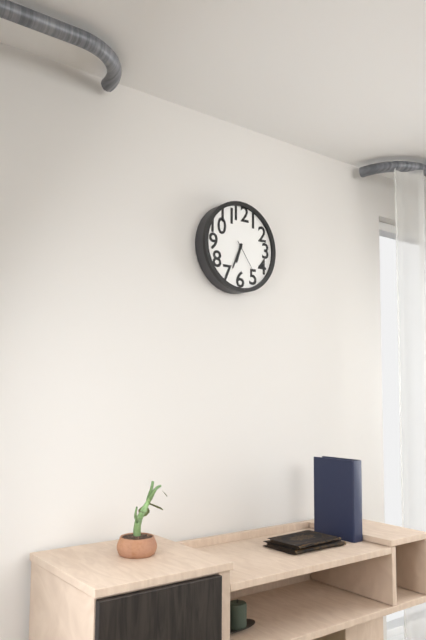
h=6 m=34
